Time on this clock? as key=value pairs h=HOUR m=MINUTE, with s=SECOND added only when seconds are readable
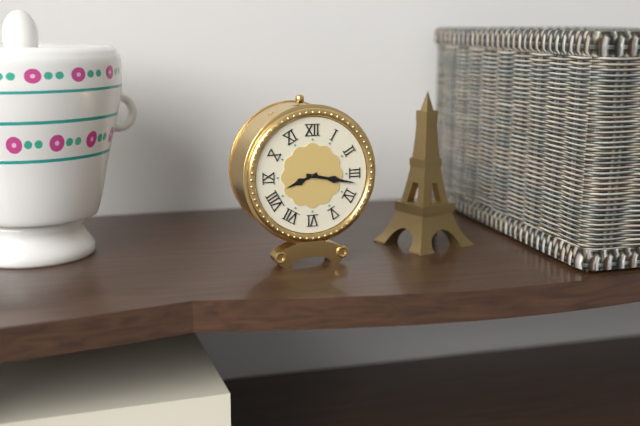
h=8 m=17
